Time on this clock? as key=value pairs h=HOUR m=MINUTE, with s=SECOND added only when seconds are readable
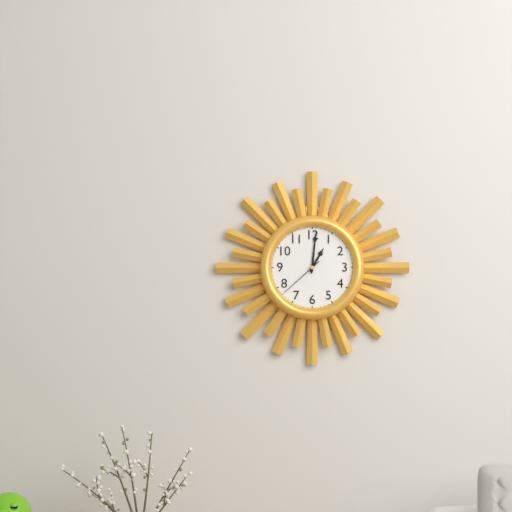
h=1 m=1
